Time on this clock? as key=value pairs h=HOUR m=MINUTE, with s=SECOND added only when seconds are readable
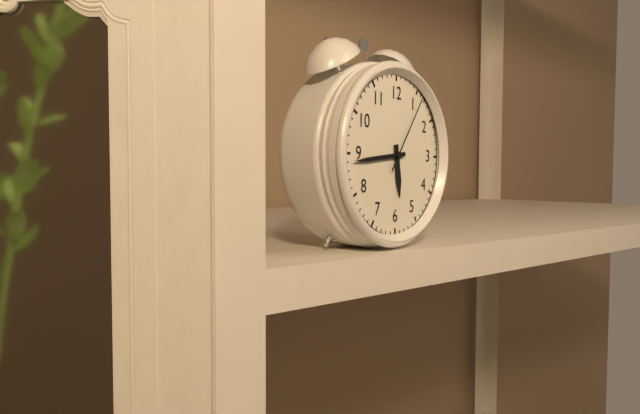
h=5 m=44 s=6
